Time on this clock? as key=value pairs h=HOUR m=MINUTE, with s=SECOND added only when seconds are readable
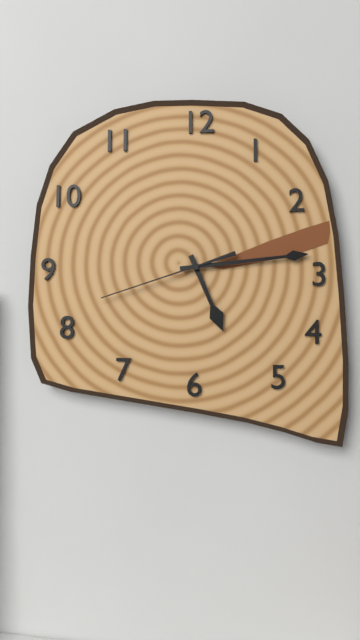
h=5 m=14 s=42
